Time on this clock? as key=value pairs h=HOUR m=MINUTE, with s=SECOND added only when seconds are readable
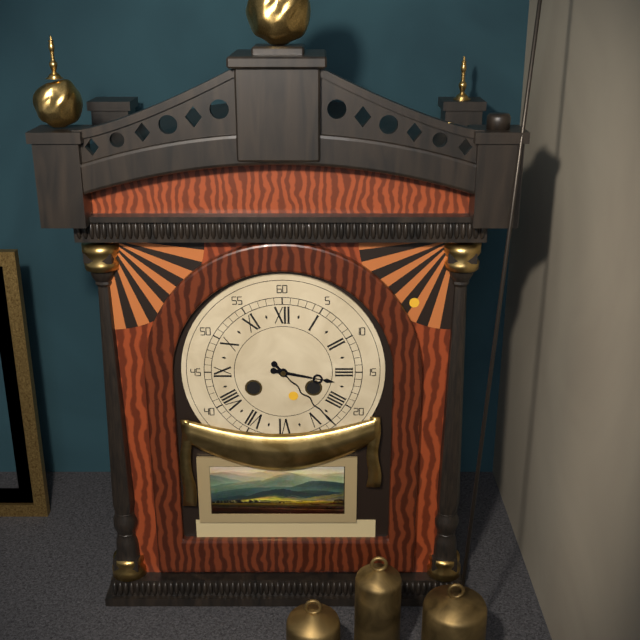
h=3 m=23
